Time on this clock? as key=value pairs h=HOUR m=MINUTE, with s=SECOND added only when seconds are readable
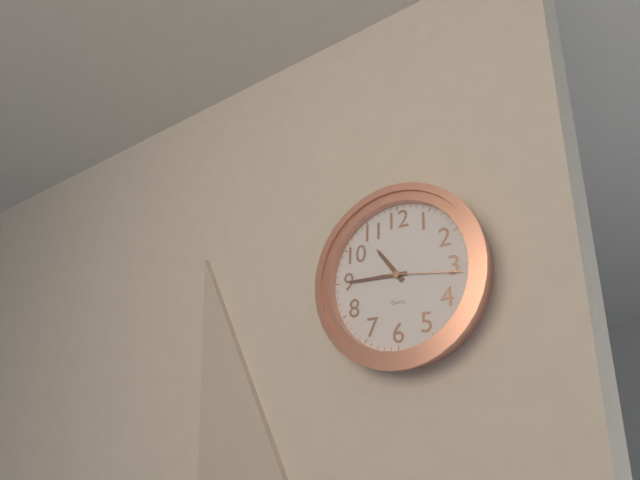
h=10 m=45 s=16
